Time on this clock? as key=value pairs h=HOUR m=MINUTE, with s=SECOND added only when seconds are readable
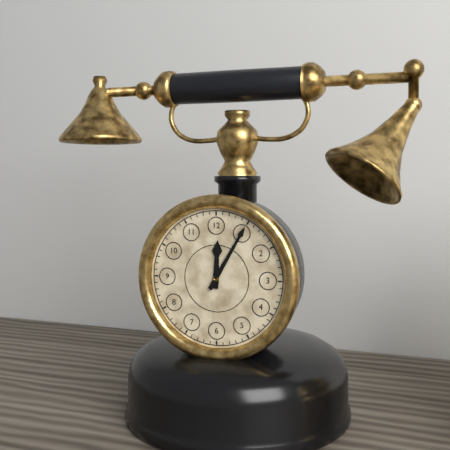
h=12 m=5
